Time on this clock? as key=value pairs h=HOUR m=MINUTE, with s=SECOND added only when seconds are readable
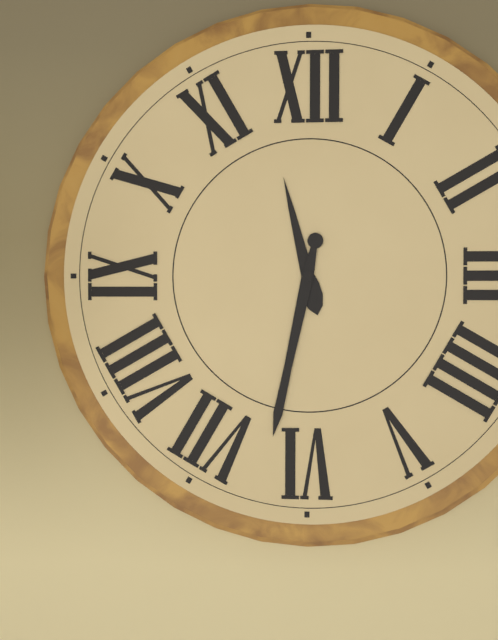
h=11 m=32
